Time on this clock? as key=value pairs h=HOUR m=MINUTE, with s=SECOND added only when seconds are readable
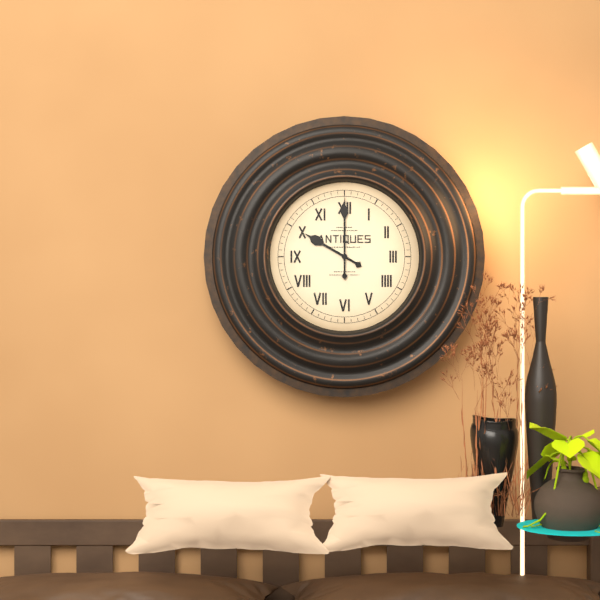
h=10 m=0
